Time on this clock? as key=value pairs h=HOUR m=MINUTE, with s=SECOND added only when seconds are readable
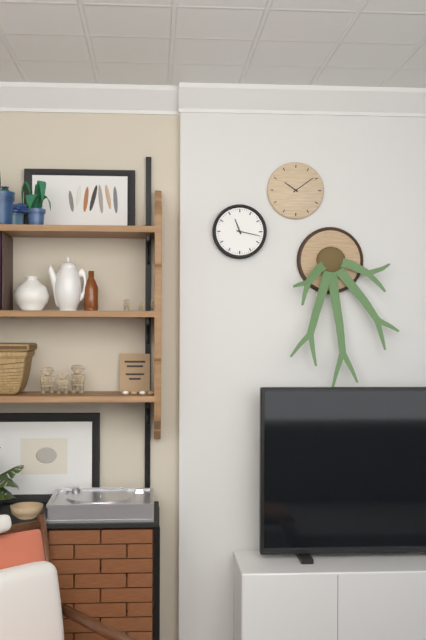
h=11 m=17
